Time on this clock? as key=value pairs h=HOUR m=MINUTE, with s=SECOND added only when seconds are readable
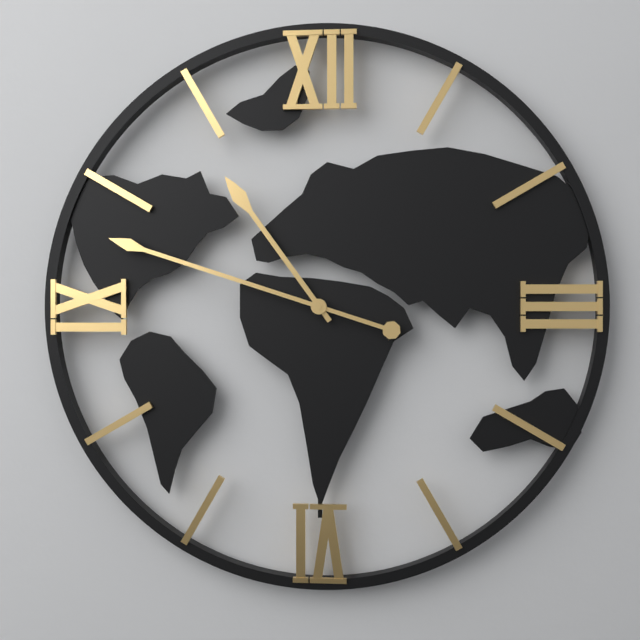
h=10 m=48
